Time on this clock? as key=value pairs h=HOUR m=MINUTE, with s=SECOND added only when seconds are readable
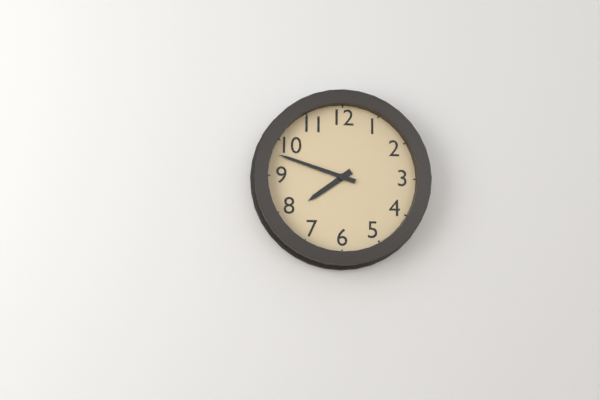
h=7 m=48
